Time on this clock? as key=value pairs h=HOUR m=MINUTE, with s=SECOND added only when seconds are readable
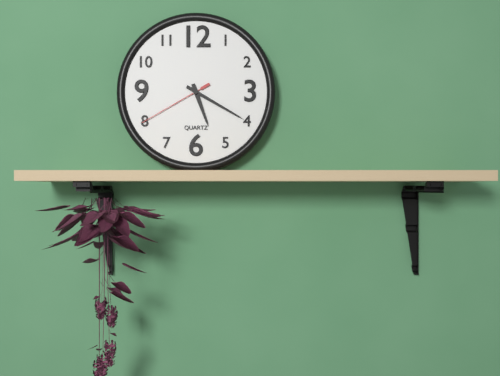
h=5 m=20 s=40
